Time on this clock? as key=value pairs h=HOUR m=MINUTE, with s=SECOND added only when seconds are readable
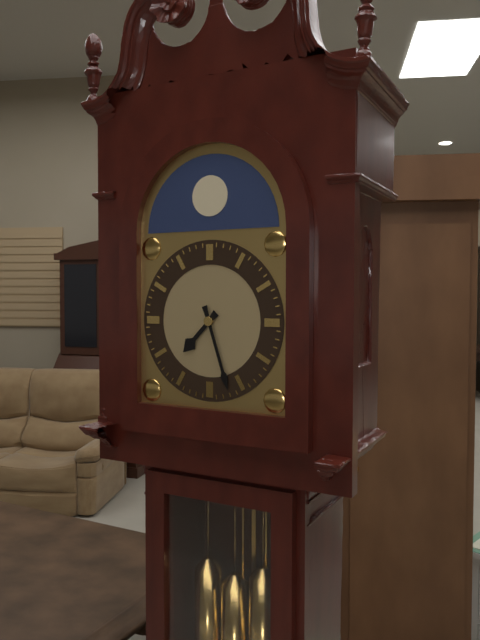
h=7 m=27
